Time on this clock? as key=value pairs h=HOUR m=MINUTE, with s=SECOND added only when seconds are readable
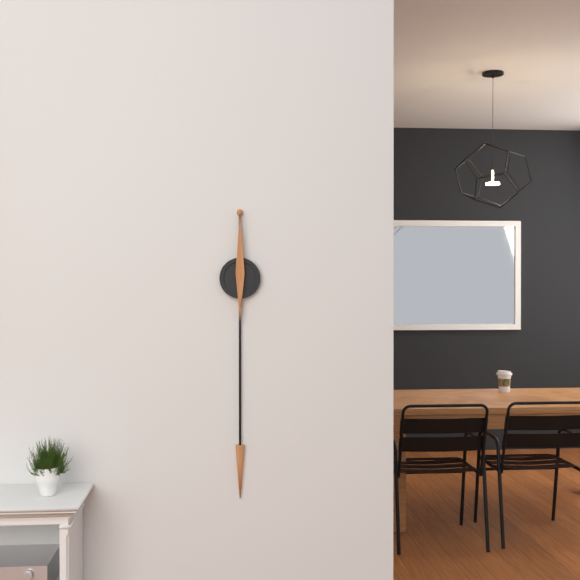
h=6 m=0
